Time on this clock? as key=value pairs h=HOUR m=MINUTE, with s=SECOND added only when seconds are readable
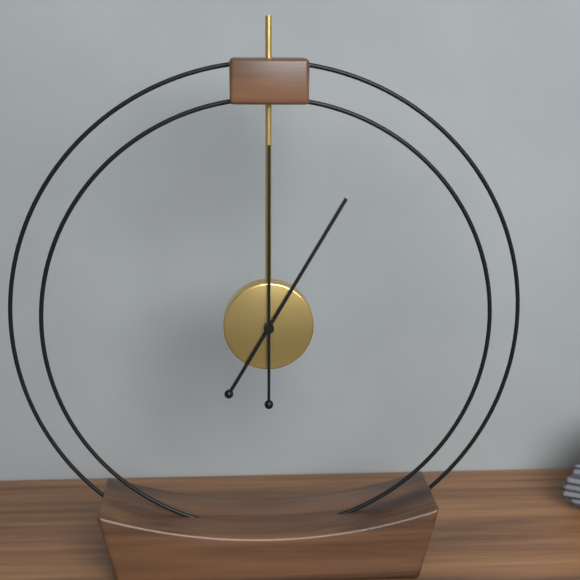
h=1 m=0
